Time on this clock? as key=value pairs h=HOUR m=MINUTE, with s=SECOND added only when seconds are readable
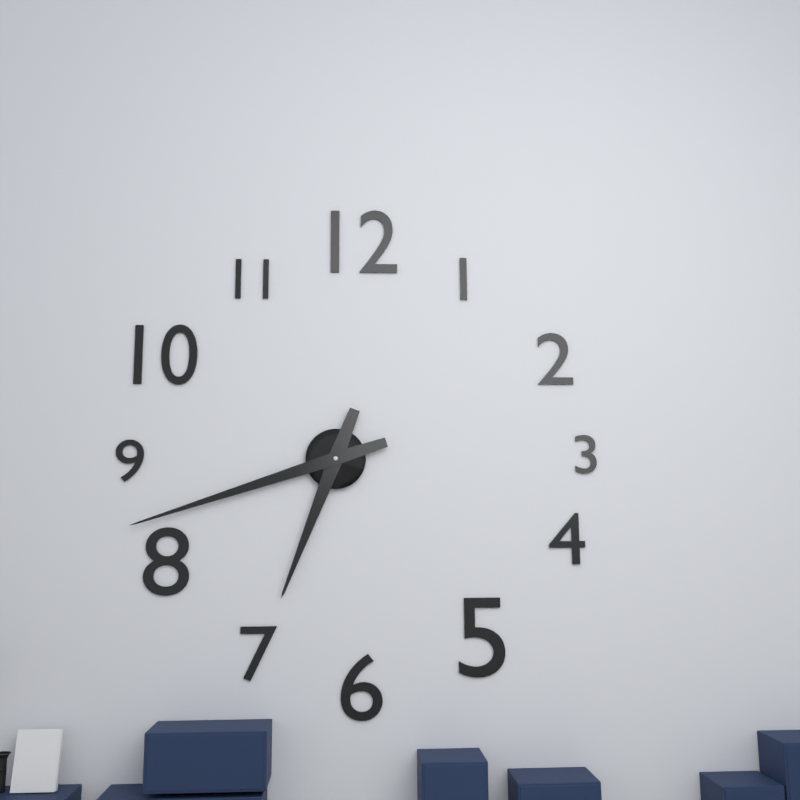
h=6 m=42
